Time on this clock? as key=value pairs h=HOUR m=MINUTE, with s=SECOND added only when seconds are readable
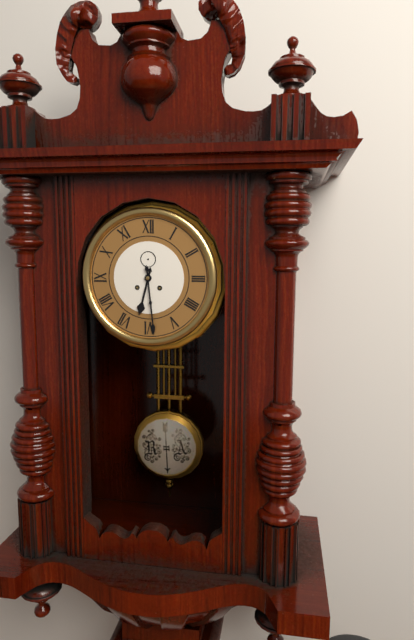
h=6 m=29
